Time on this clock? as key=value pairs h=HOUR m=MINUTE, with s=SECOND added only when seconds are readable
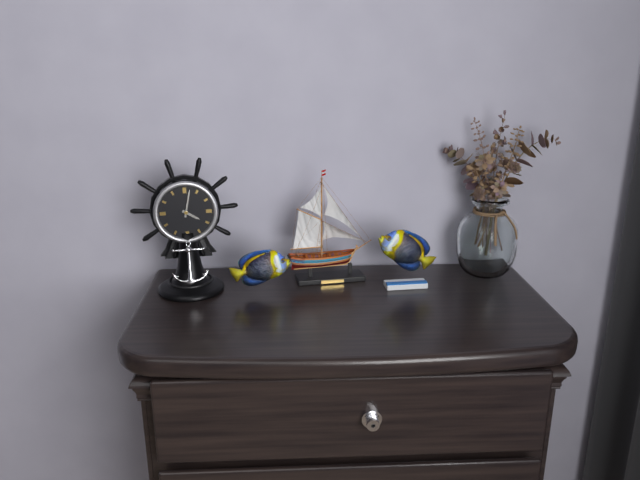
h=4 m=2
